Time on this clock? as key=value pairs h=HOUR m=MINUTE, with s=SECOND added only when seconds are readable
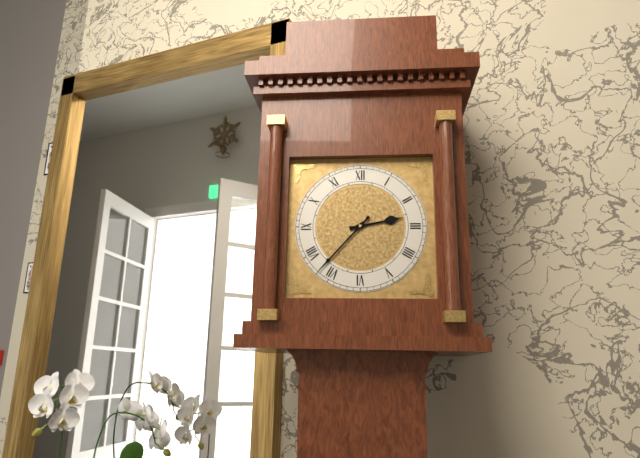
h=2 m=37
